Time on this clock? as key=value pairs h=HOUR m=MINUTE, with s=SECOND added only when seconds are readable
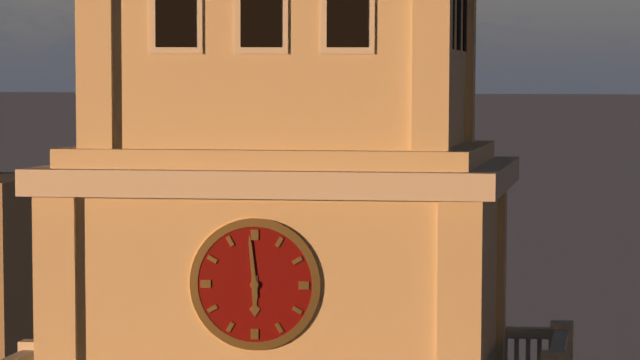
h=5 m=59
